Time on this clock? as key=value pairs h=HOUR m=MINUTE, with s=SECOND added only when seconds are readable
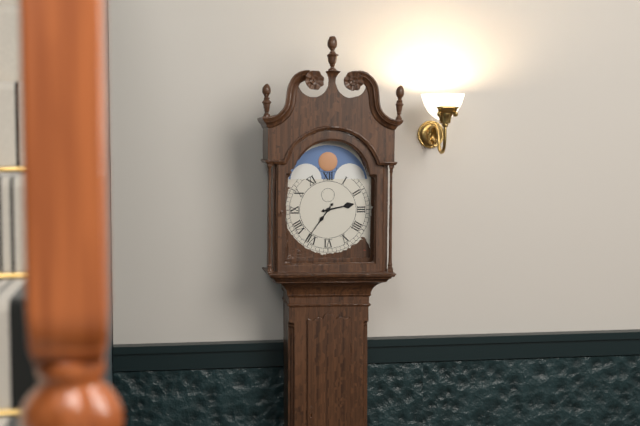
h=2 m=36
